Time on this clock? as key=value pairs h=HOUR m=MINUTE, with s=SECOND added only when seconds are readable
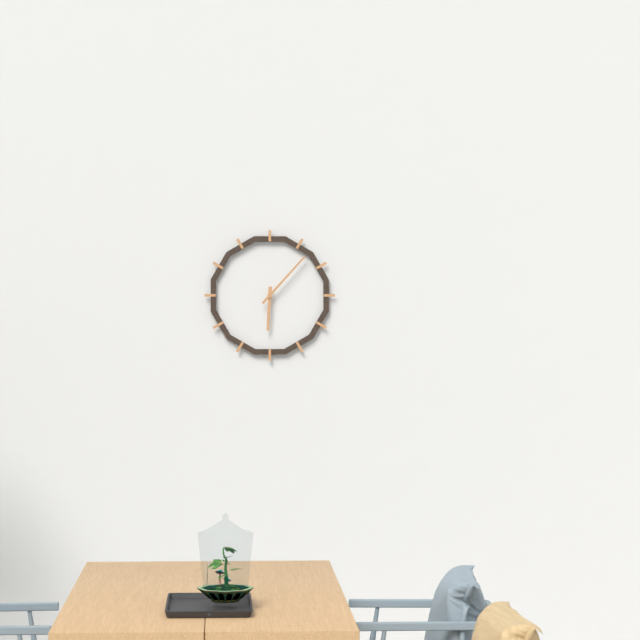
h=6 m=7
